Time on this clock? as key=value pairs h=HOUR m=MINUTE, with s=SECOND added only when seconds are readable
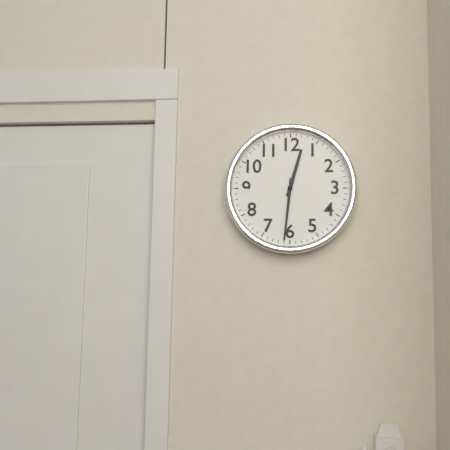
h=12 m=31
